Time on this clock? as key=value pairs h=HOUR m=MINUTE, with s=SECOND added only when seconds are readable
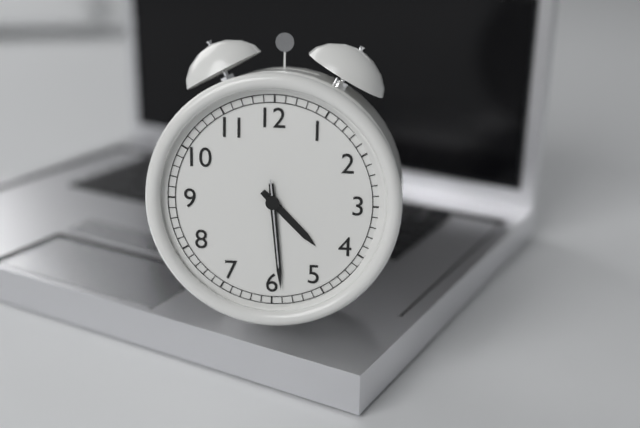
h=4 m=29 s=29
